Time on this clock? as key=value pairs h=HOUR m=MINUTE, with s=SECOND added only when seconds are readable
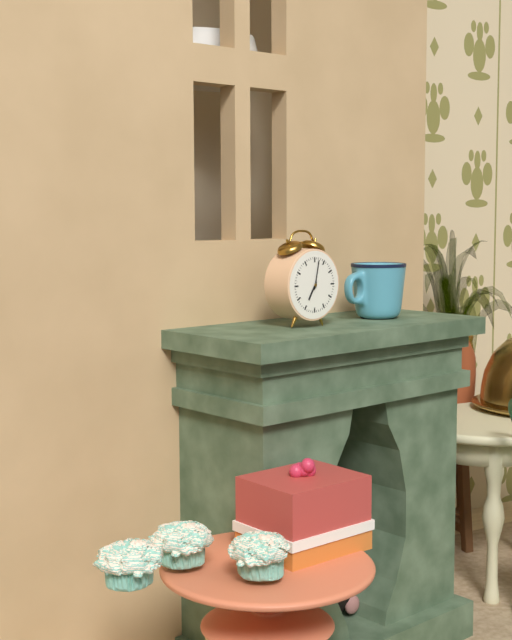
h=7 m=2
